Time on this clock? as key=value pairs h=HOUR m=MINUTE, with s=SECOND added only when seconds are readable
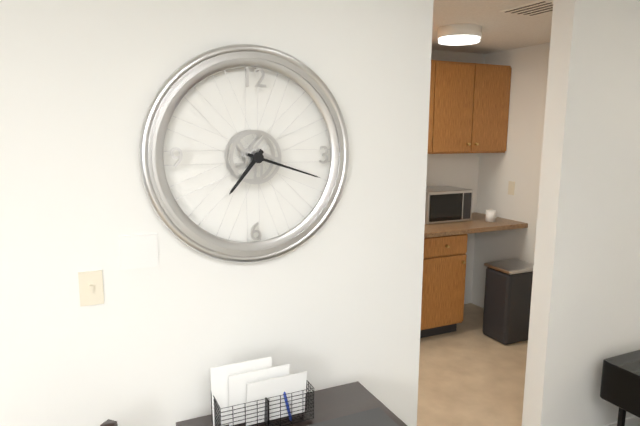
h=7 m=18
